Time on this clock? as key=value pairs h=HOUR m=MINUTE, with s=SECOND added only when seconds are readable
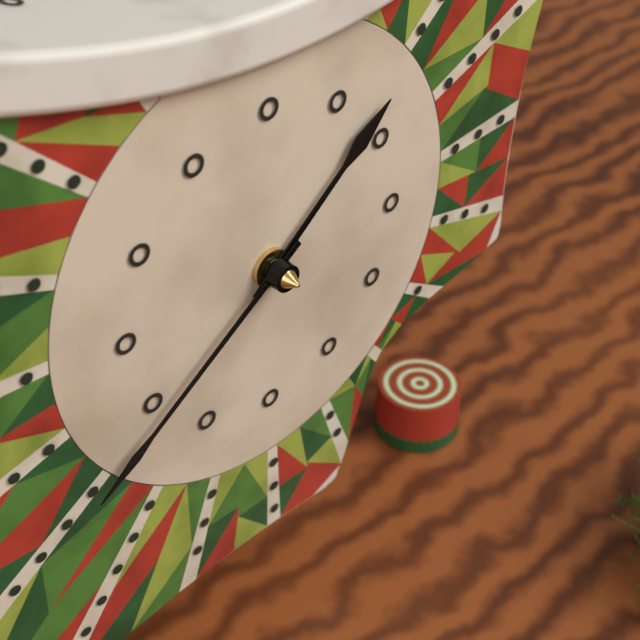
h=1 m=39
